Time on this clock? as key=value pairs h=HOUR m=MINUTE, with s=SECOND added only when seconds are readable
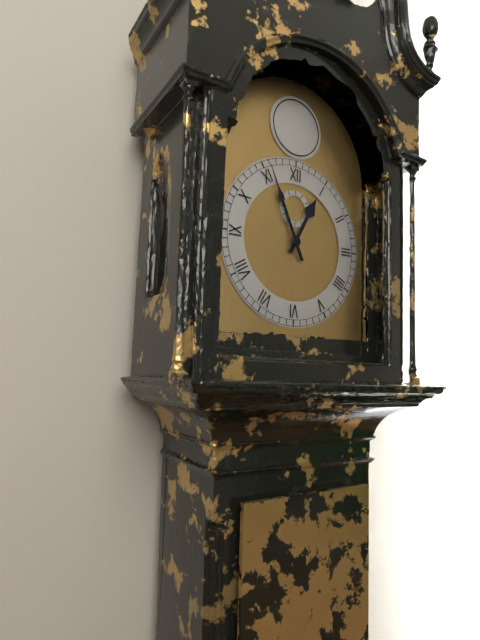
h=12 m=56
